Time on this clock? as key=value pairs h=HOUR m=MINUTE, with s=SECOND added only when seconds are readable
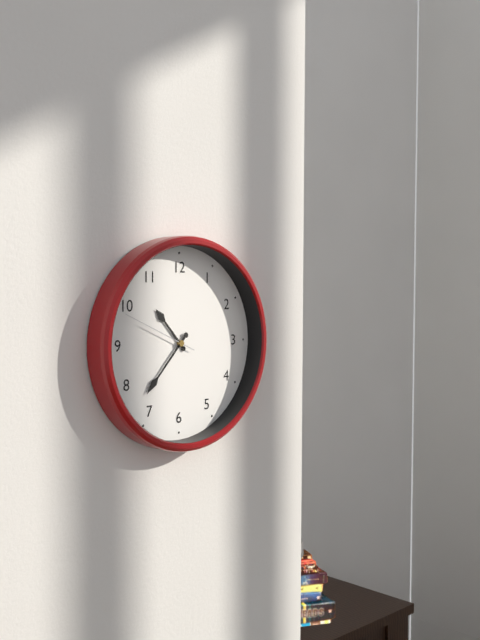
h=10 m=37 s=49
